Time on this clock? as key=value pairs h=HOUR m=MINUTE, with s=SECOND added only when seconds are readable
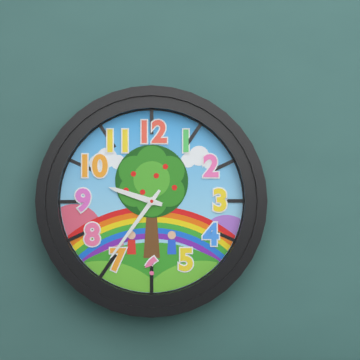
h=9 m=36
